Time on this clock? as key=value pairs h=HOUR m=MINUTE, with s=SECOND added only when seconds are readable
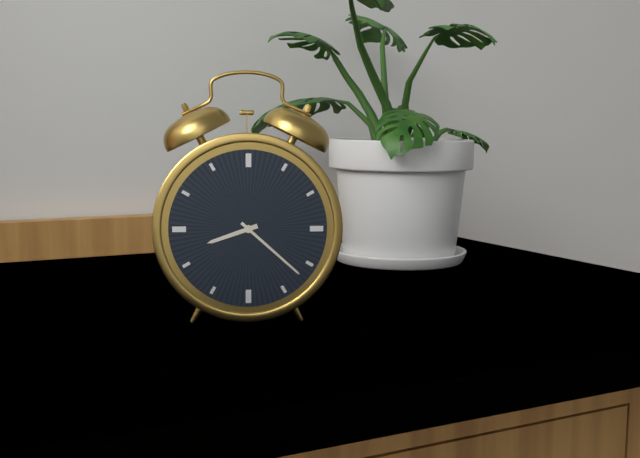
h=8 m=22
